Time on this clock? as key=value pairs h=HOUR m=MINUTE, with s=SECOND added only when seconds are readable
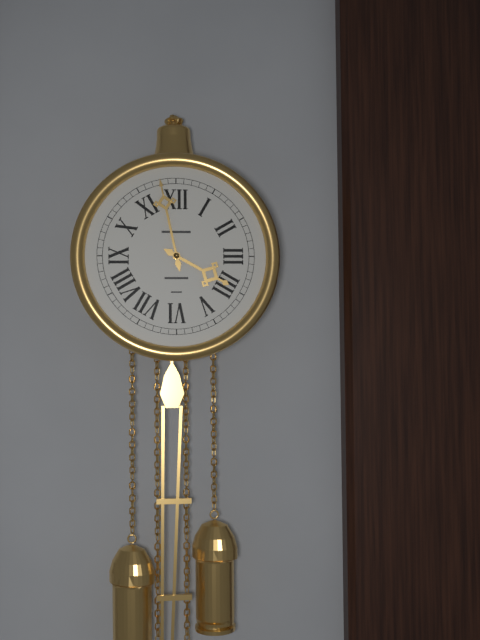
h=3 m=58
